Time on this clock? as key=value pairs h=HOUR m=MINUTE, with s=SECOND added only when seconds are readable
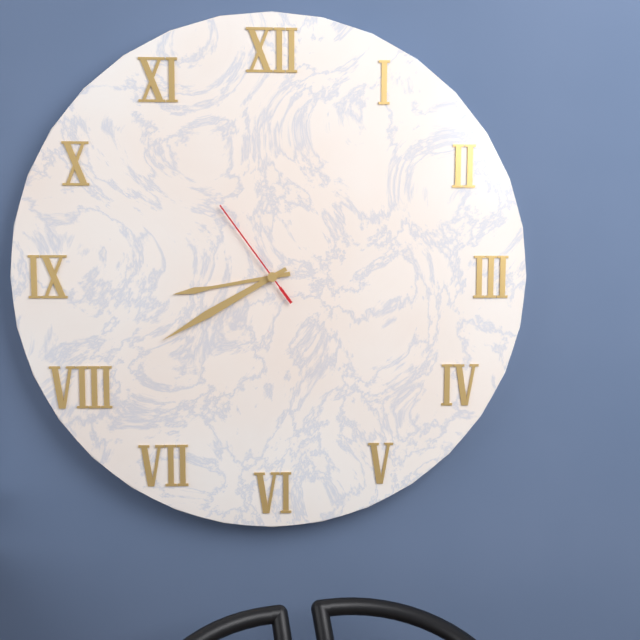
h=8 m=40 s=54
